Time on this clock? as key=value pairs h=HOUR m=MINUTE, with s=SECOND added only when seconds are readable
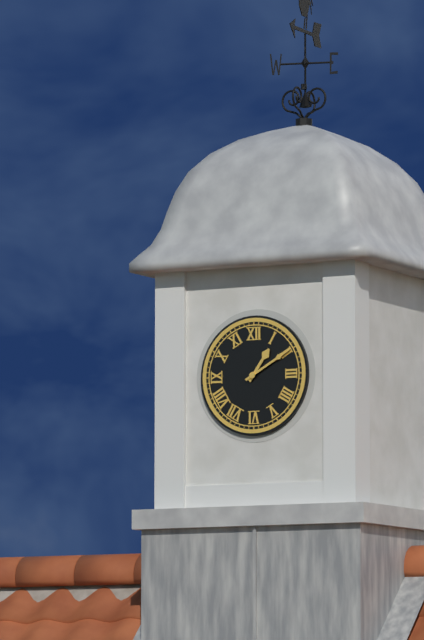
h=1 m=10
